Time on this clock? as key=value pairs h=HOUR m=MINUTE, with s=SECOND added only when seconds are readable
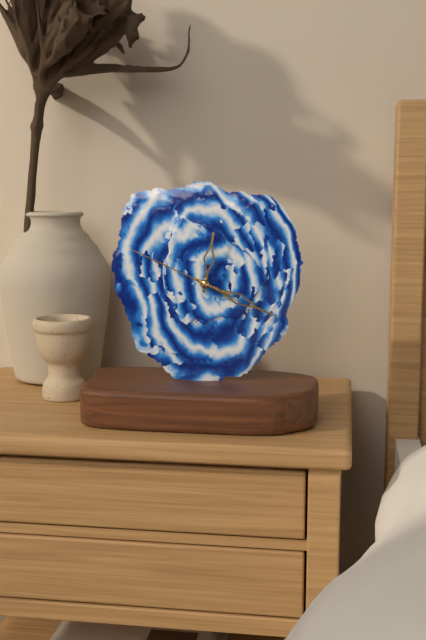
h=12 m=19 s=49
